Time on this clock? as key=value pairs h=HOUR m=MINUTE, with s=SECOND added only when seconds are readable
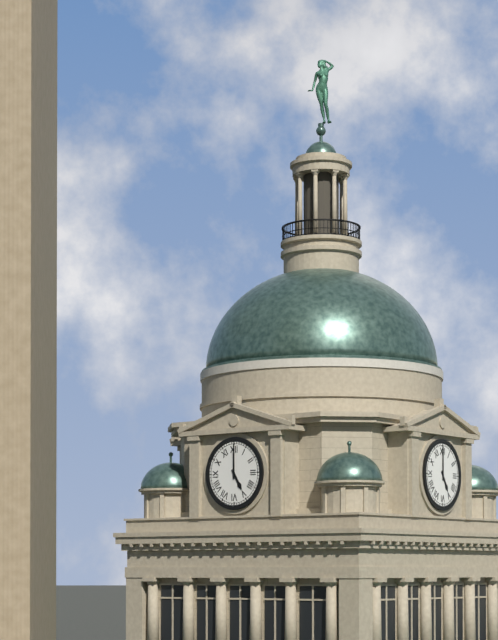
h=5 m=0
